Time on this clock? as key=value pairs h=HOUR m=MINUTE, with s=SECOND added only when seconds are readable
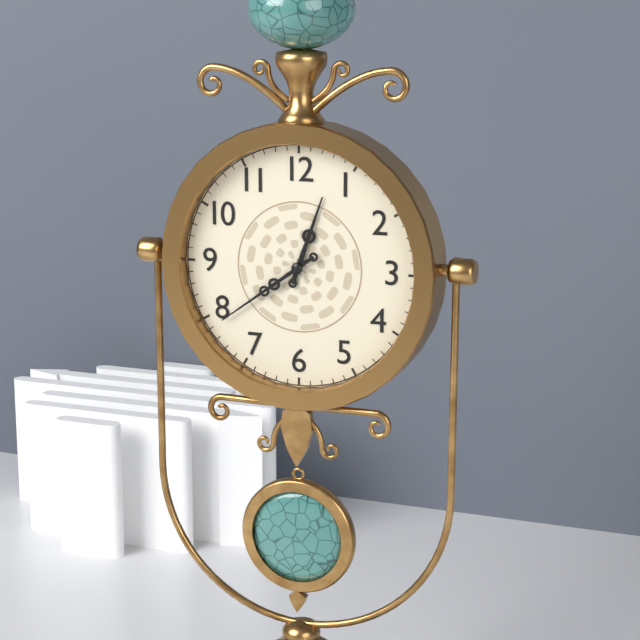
h=12 m=39
